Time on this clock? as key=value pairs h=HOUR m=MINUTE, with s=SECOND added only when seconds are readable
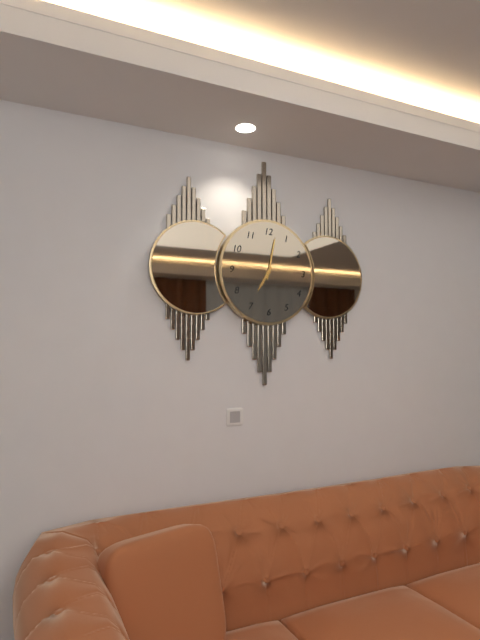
h=7 m=2
